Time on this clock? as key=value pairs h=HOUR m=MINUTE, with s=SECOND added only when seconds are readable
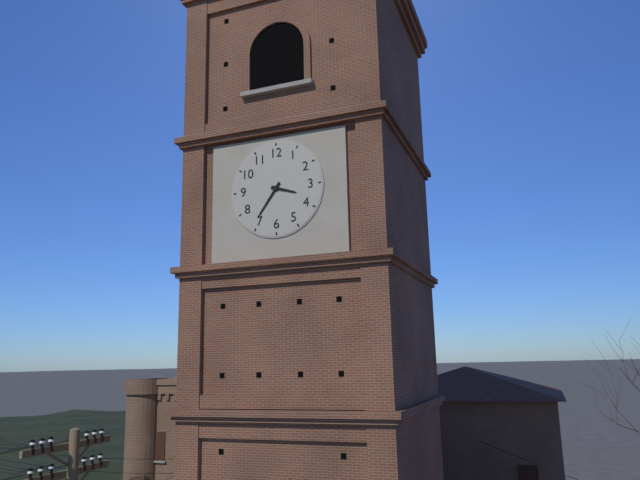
h=3 m=36
